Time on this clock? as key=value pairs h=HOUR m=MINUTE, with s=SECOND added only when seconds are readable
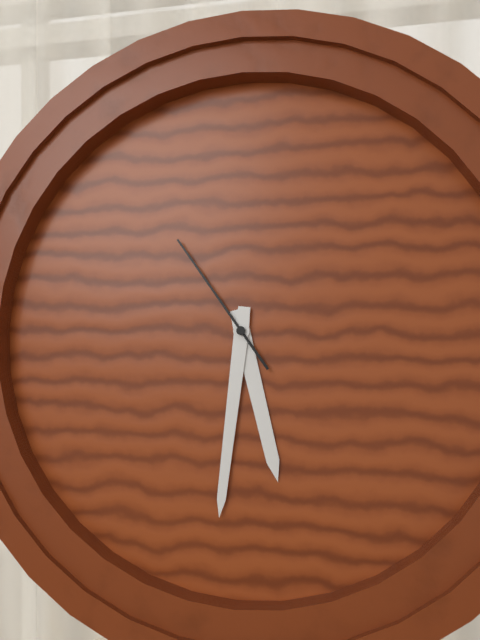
h=5 m=31 s=54
